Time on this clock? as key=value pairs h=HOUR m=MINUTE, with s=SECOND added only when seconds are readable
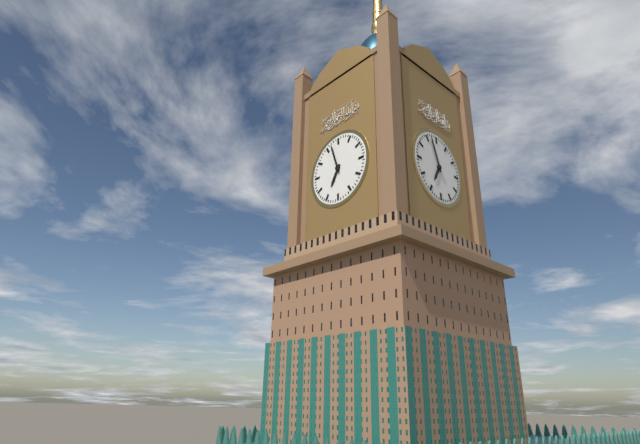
h=6 m=57
